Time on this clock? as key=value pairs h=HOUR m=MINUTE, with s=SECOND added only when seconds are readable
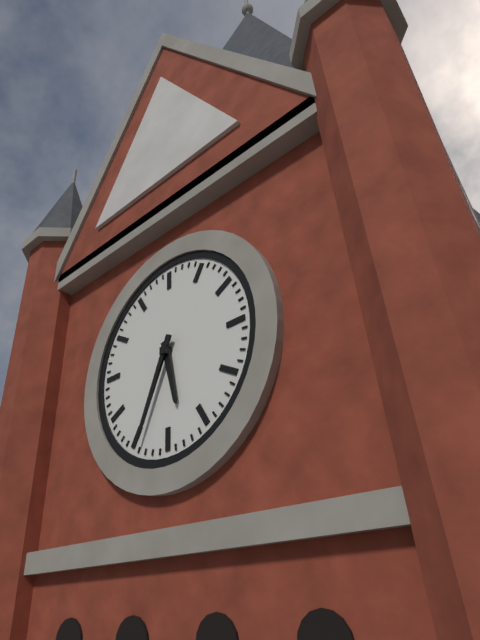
h=5 m=34
